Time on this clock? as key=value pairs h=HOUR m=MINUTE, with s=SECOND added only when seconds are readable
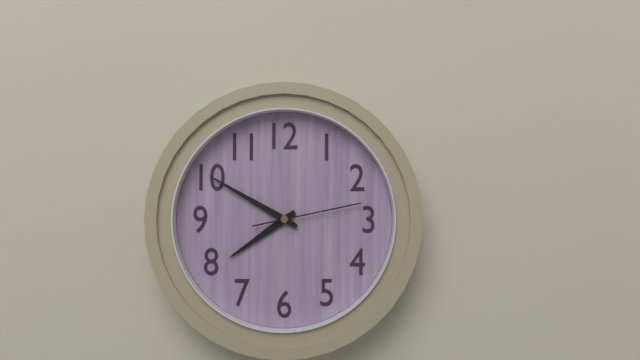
h=7 m=50 s=13
